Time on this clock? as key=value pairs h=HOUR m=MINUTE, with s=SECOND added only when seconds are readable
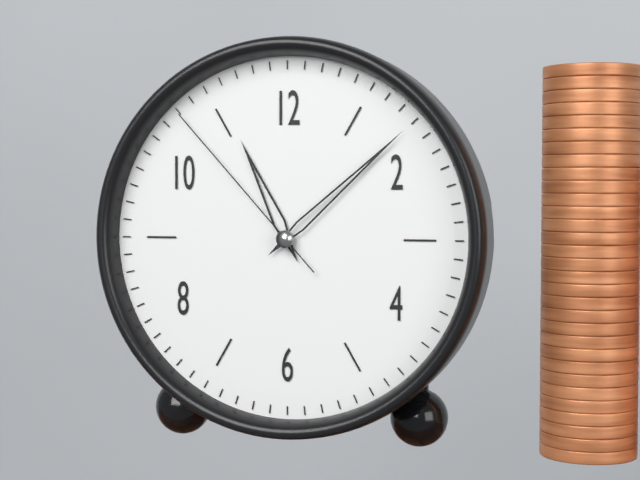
h=11 m=8 s=53
